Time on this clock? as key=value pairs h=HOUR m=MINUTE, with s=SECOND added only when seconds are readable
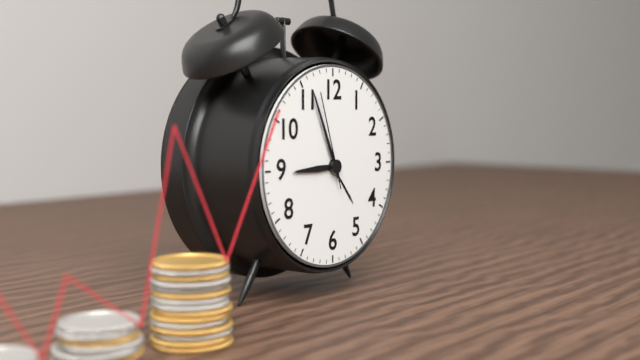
h=8 m=56 s=57
